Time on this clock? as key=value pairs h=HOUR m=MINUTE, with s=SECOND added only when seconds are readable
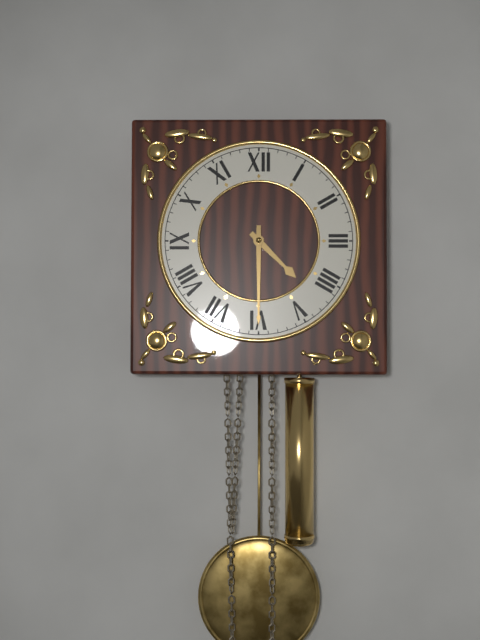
h=4 m=30
